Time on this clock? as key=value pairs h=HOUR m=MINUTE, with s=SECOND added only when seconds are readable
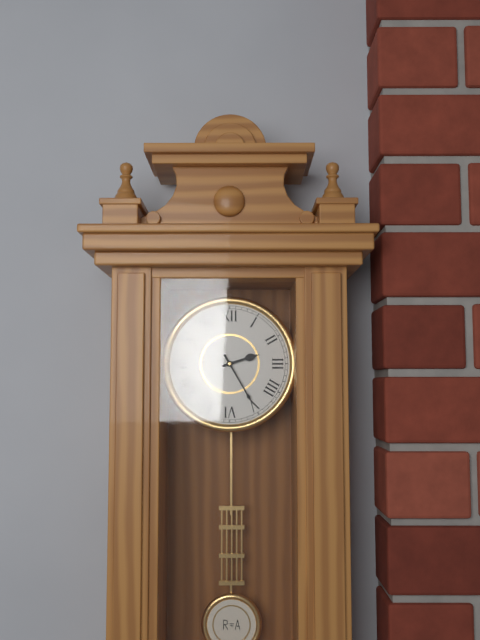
h=2 m=25
